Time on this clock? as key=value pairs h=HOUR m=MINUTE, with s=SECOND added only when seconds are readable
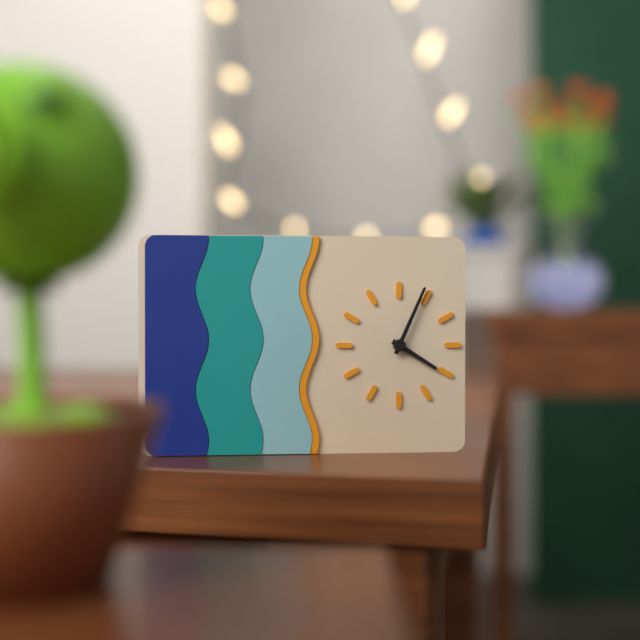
h=4 m=4
